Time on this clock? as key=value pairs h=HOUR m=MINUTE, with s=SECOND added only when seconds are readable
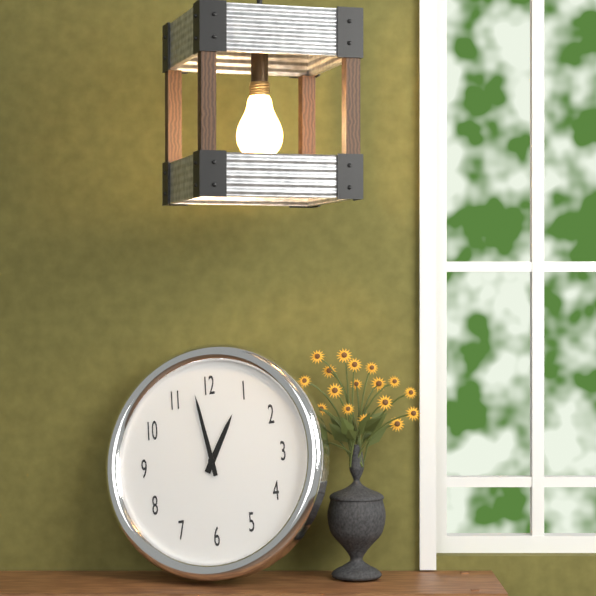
h=12 m=58
